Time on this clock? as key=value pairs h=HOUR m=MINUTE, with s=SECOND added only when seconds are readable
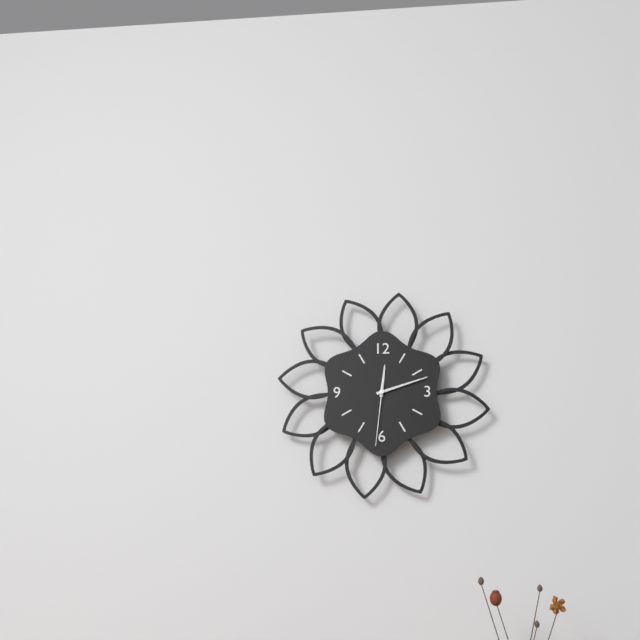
h=12 m=12 s=31
